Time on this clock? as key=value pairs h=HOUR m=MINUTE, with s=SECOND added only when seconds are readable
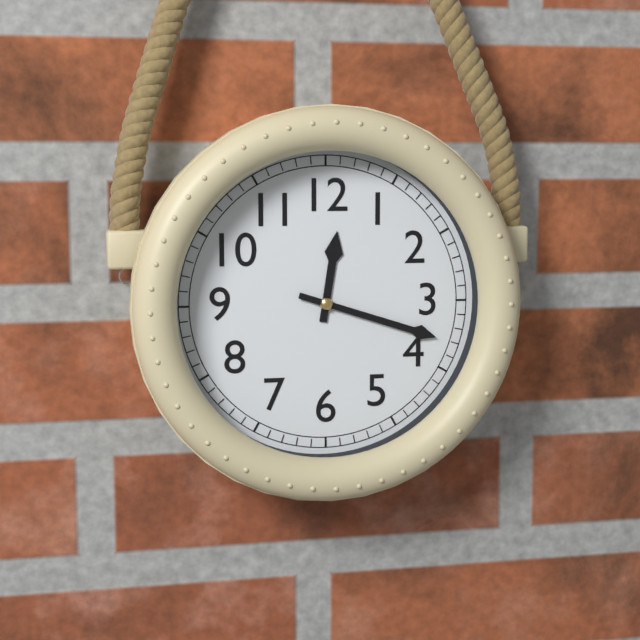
h=12 m=18
